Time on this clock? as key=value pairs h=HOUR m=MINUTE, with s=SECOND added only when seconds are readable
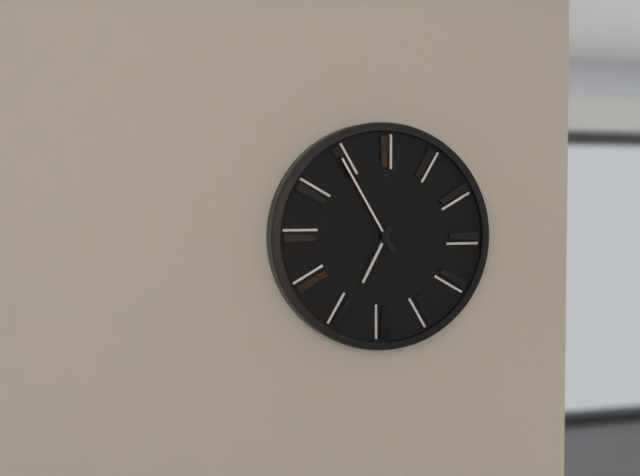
h=6 m=55
